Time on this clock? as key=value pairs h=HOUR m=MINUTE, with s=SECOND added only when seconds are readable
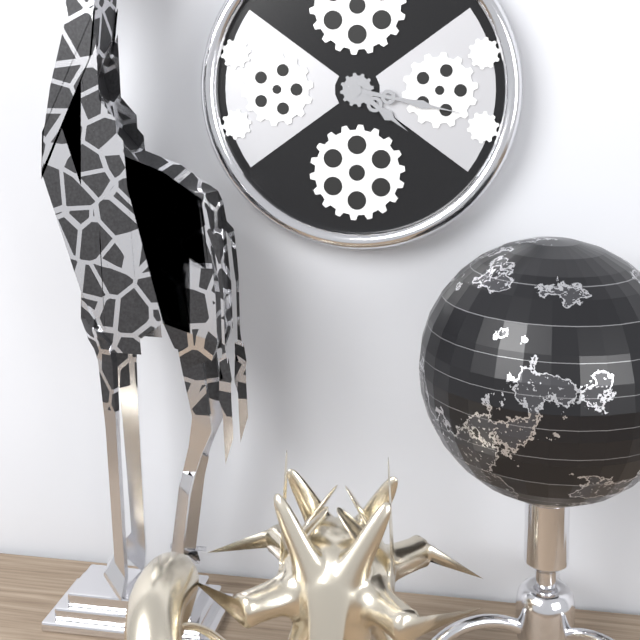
h=4 m=17
